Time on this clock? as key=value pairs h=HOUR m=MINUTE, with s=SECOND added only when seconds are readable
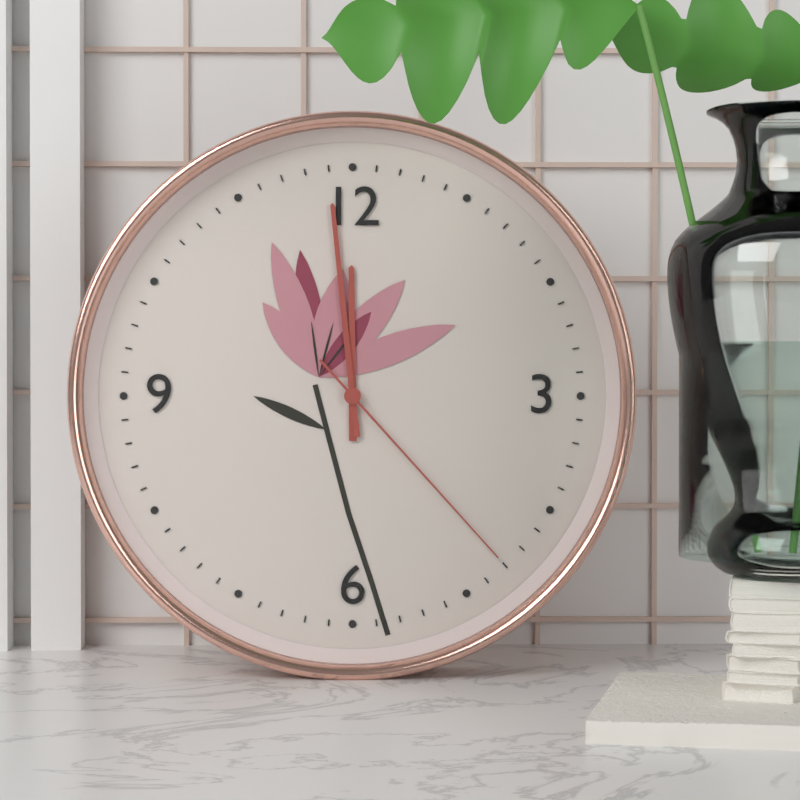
h=11 m=59 s=23
